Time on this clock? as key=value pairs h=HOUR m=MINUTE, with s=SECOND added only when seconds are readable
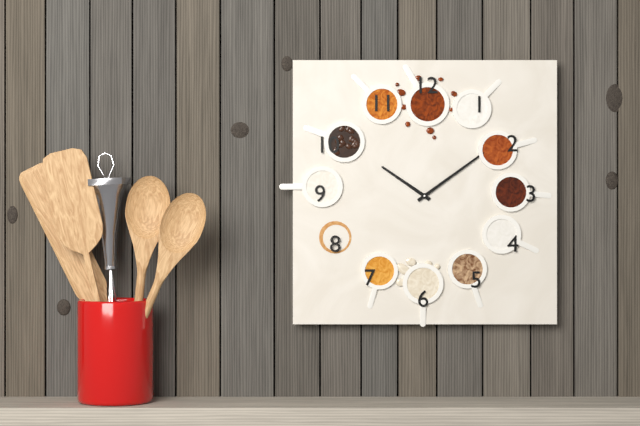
h=10 m=9
